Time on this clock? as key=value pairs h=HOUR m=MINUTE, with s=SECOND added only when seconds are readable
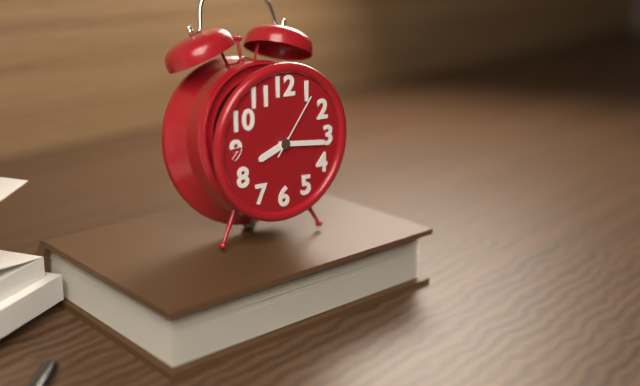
h=8 m=16 s=6
